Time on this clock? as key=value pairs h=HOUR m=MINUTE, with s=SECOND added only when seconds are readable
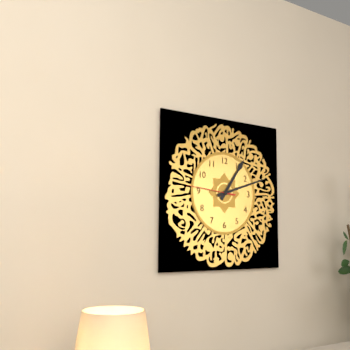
h=1 m=12 s=46
